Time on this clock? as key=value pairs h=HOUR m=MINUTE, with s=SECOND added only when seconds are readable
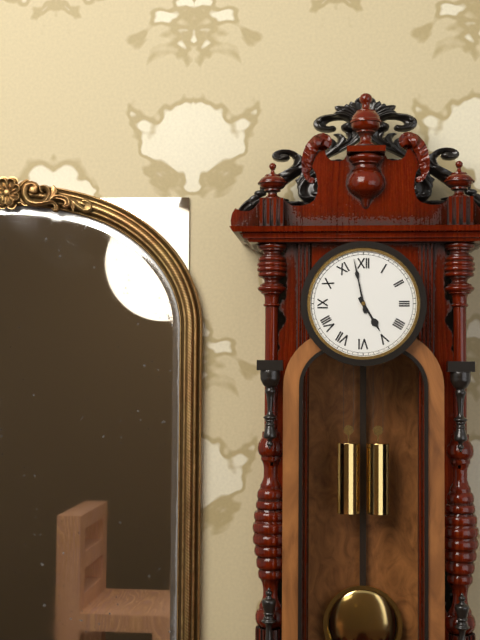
h=4 m=58
